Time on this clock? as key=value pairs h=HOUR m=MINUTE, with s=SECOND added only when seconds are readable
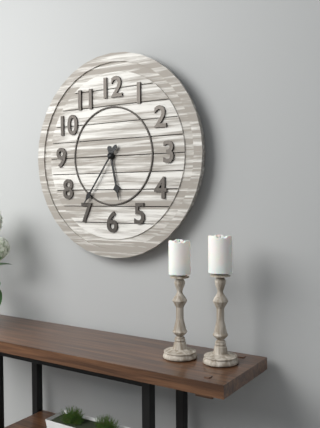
h=5 m=36
